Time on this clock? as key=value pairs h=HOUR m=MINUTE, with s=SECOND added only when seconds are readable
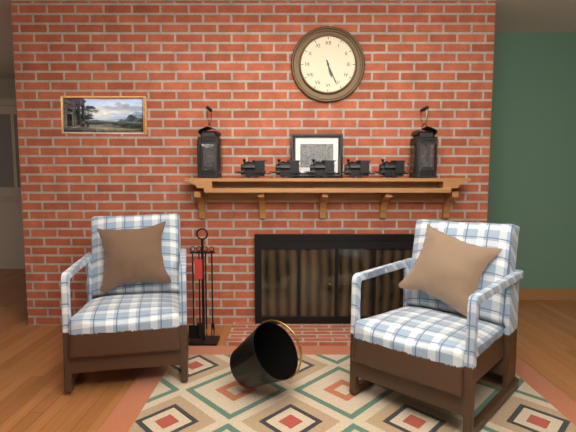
h=5 m=26
